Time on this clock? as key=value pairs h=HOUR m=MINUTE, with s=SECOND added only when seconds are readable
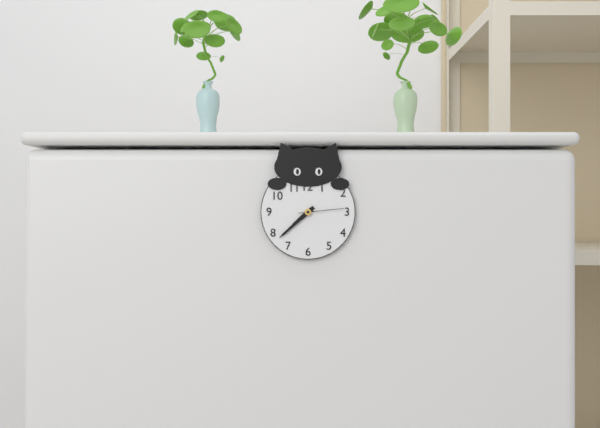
h=7 m=38
